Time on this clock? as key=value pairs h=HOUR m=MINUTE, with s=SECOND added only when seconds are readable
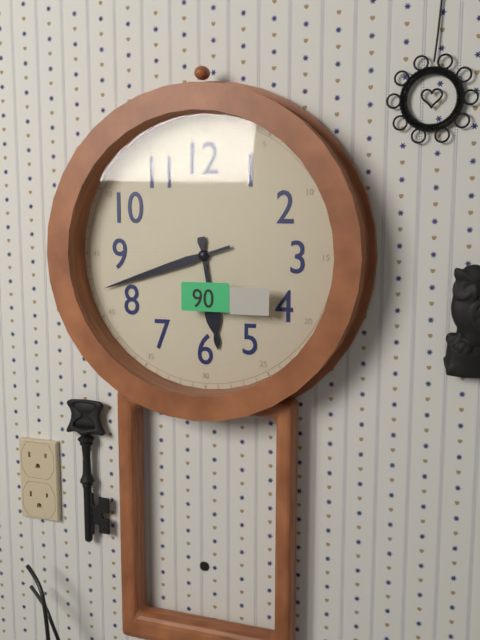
h=5 m=42
